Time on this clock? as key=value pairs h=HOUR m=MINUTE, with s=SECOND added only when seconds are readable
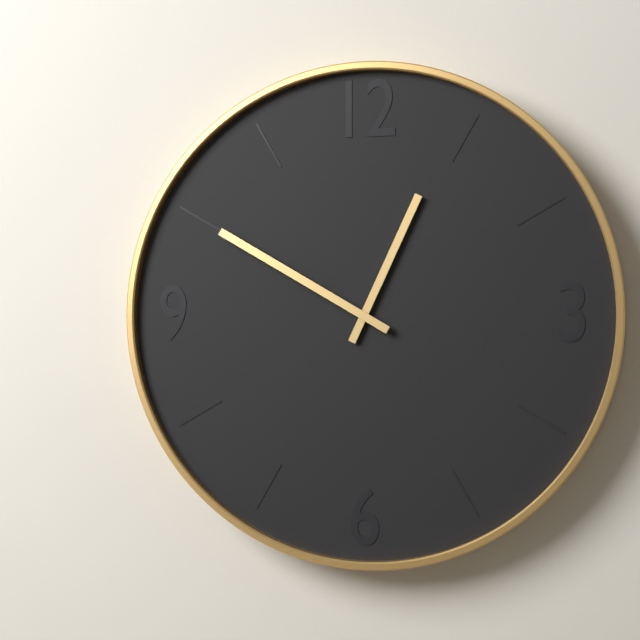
h=12 m=50
